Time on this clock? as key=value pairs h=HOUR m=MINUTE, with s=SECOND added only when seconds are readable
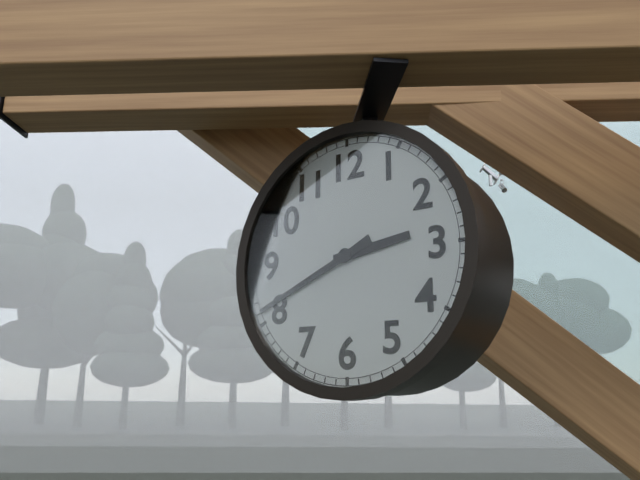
h=2 m=41
